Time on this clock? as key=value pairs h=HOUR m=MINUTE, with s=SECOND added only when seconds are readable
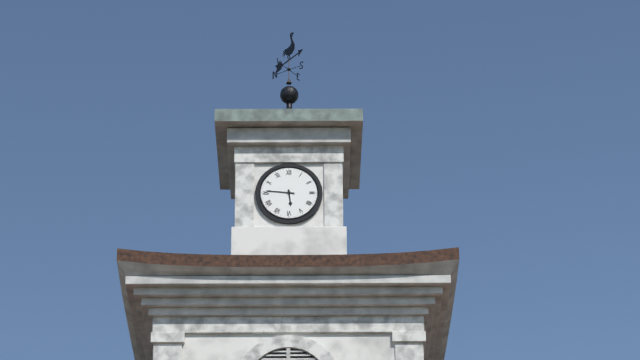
h=5 m=46
